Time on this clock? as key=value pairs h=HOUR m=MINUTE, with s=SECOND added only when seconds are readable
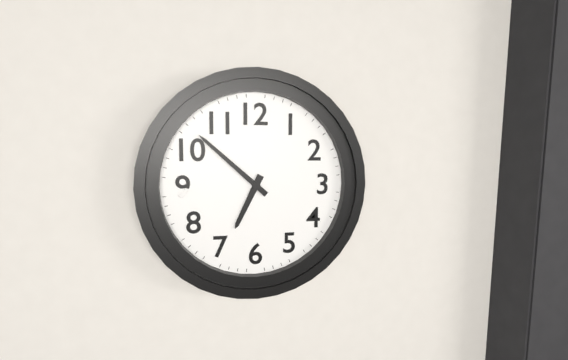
h=6 m=52
